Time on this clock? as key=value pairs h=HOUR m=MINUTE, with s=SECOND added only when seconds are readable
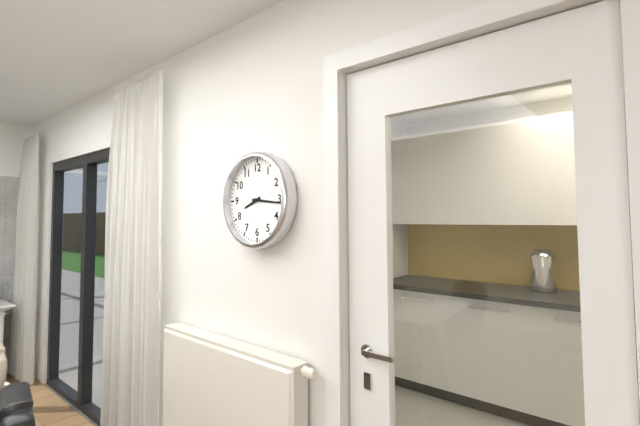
h=8 m=16
